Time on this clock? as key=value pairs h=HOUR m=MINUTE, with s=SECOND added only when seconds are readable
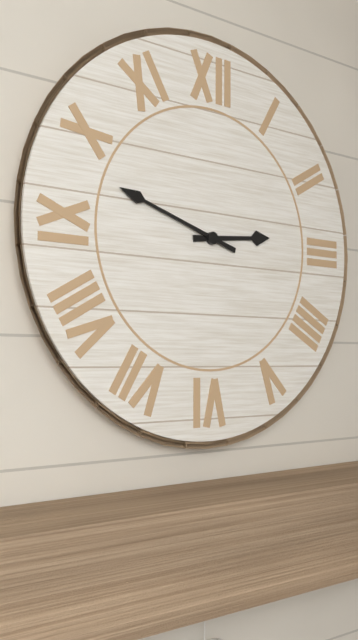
h=2 m=48
